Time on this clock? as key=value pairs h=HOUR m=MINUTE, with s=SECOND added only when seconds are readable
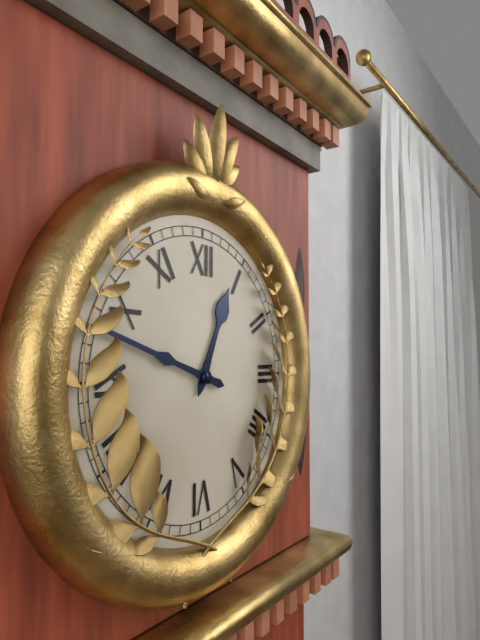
h=12 m=48
